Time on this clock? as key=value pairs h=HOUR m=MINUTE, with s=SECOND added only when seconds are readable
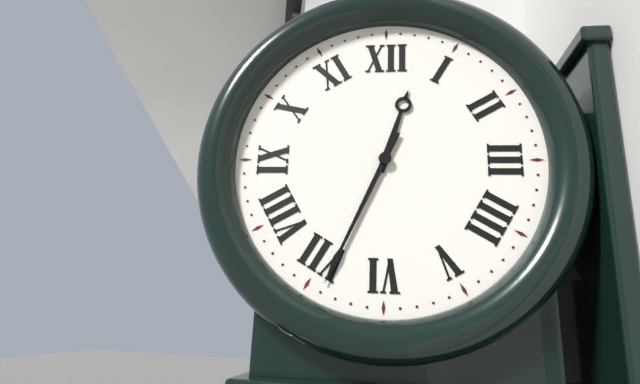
h=12 m=34
